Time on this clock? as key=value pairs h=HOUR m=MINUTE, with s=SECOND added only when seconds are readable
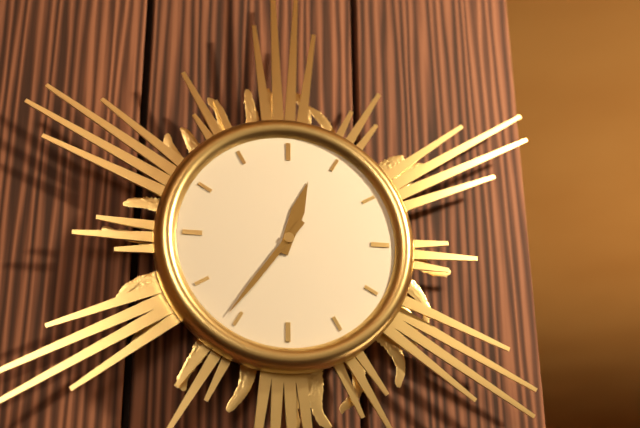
h=12 m=36
